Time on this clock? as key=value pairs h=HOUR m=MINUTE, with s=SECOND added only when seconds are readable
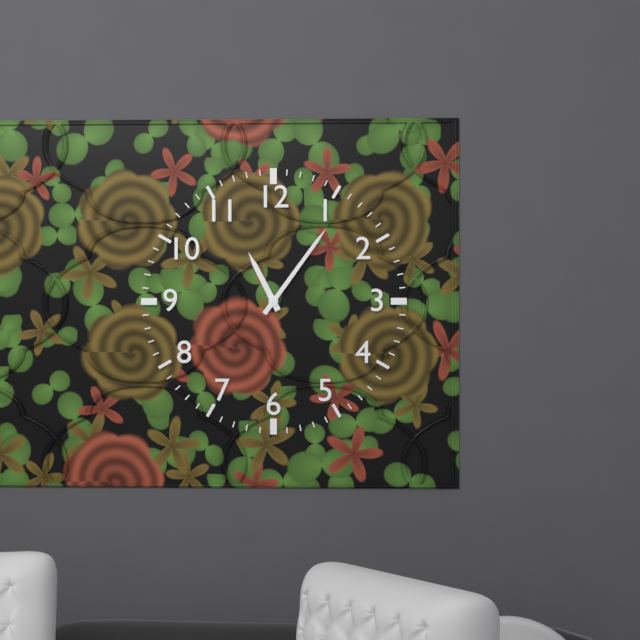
h=11 m=6
